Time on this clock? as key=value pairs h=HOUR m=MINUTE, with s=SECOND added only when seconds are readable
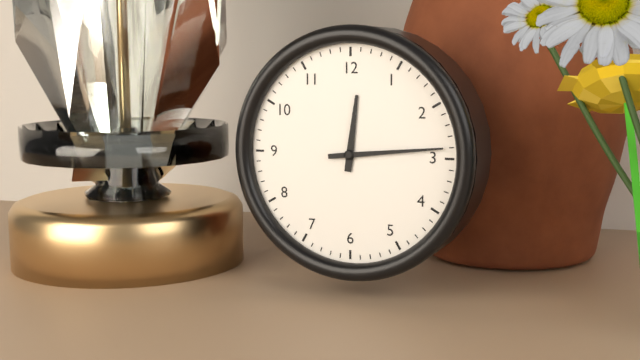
h=12 m=14
